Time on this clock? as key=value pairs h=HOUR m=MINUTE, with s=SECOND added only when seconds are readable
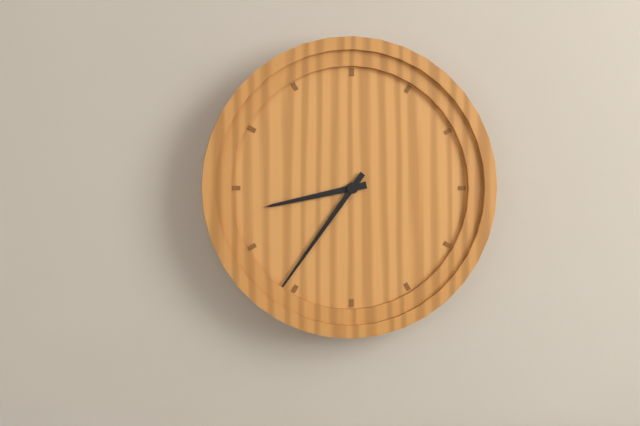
h=8 m=36
